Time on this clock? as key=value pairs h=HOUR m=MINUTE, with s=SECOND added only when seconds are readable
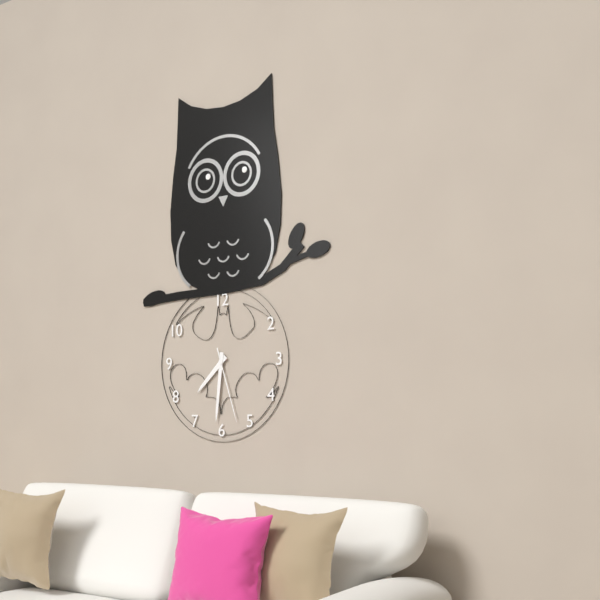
h=7 m=31 s=27
